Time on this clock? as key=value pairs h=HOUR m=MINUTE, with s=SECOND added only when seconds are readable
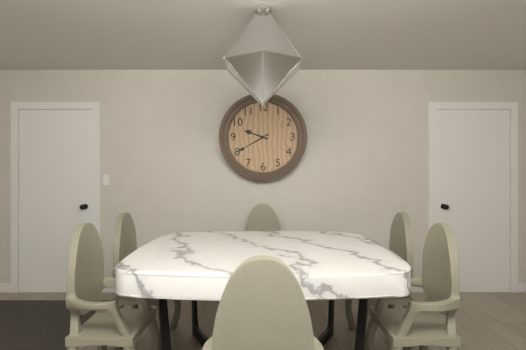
h=9 m=40
